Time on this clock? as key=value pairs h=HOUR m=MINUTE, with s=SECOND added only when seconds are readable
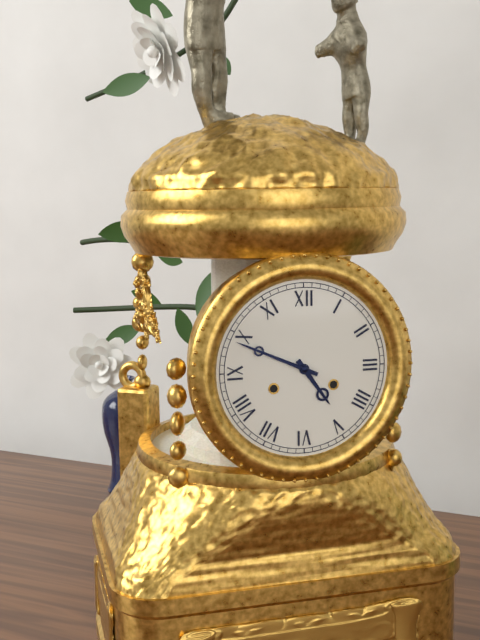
h=4 m=49
